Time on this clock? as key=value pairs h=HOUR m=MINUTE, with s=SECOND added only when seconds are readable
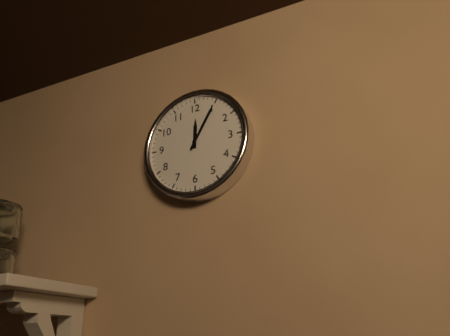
h=12 m=5
